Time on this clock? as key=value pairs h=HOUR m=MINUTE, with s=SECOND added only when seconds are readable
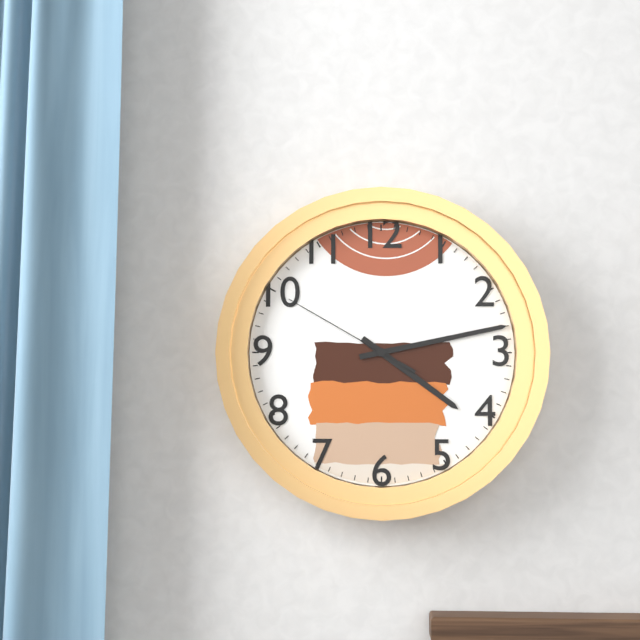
h=4 m=13 s=50
